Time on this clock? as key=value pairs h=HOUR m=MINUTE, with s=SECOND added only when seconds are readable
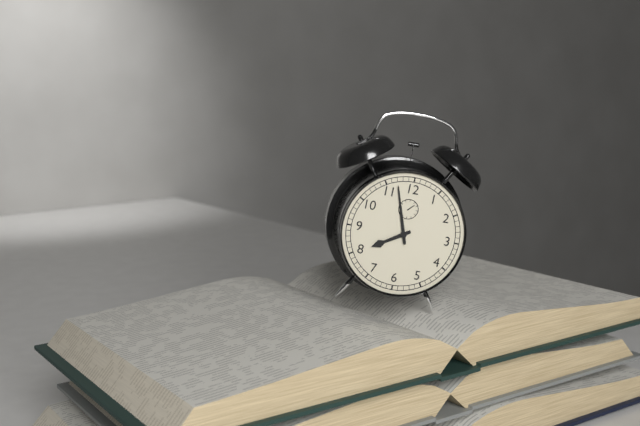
h=7 m=57
